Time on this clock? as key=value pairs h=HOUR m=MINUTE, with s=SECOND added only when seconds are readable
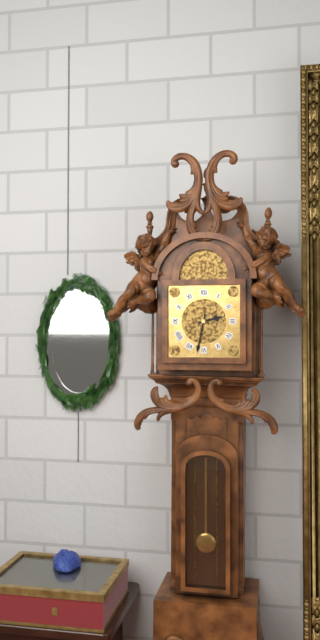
h=2 m=32
